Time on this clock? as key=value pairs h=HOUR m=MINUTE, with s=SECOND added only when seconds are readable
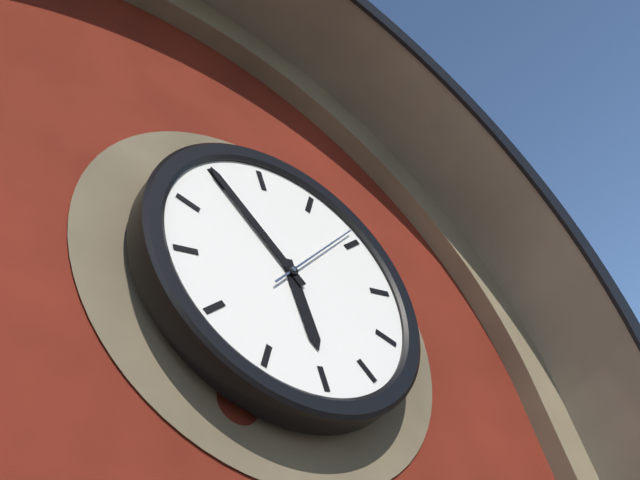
h=5 m=55 s=9
